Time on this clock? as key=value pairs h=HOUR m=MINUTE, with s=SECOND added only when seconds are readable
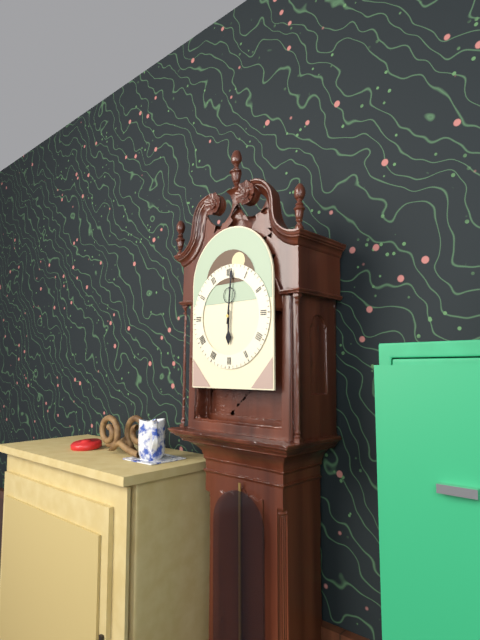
h=6 m=1
